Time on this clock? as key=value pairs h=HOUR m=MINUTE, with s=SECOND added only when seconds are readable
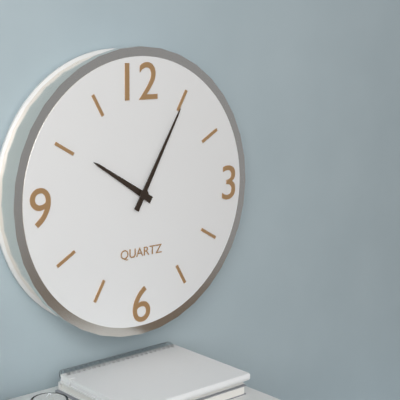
h=10 m=5
